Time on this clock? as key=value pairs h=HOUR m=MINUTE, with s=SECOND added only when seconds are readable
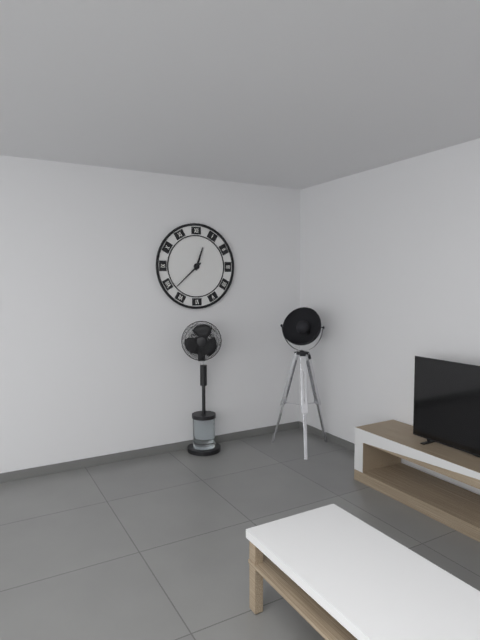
h=12 m=38
